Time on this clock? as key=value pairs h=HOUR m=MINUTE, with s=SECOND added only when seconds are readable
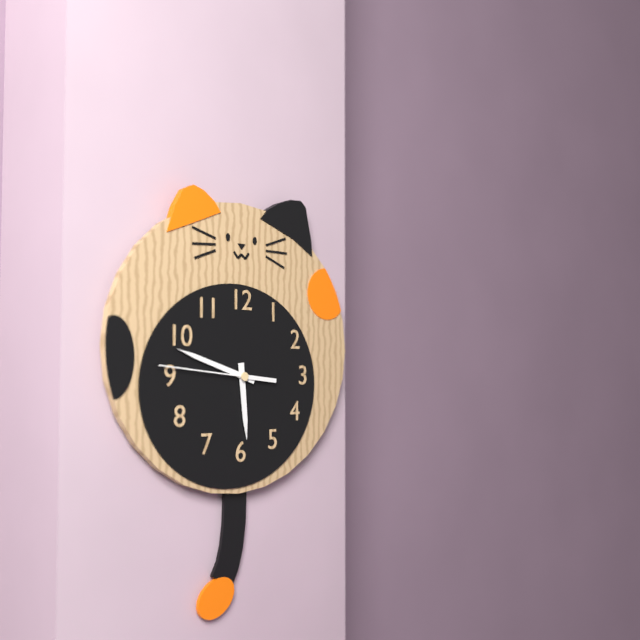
h=5 m=48 s=46
